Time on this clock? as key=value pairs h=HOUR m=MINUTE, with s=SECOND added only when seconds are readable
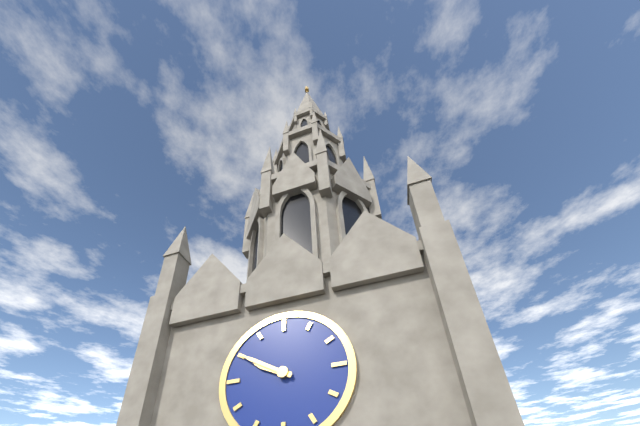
h=9 m=50
